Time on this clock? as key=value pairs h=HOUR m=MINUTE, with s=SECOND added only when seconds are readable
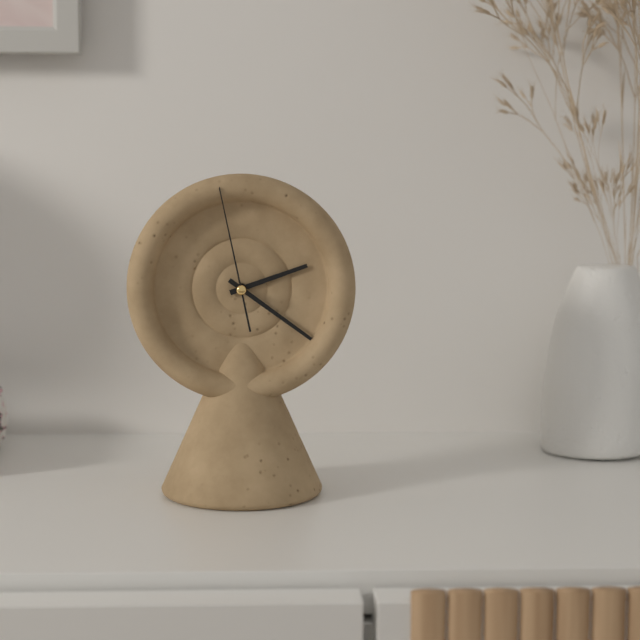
h=2 m=21 s=58
